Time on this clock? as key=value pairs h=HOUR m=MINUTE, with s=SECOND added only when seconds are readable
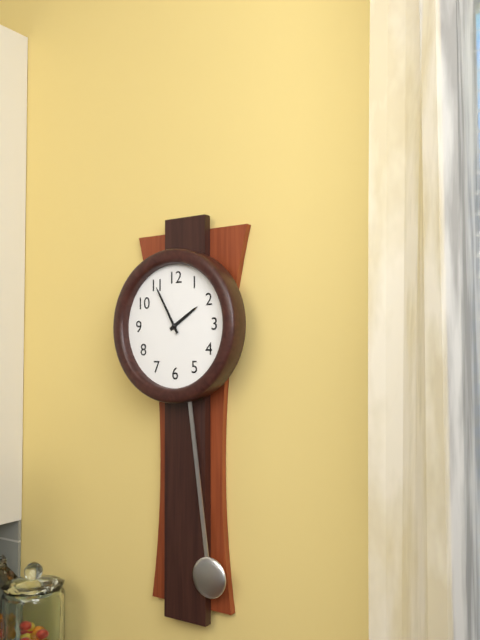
h=1 m=55
